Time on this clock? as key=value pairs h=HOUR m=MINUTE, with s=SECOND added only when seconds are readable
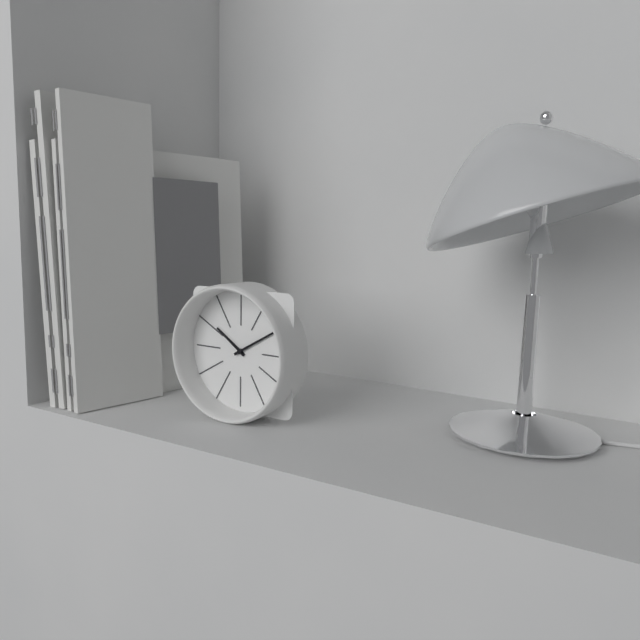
h=10 m=10
